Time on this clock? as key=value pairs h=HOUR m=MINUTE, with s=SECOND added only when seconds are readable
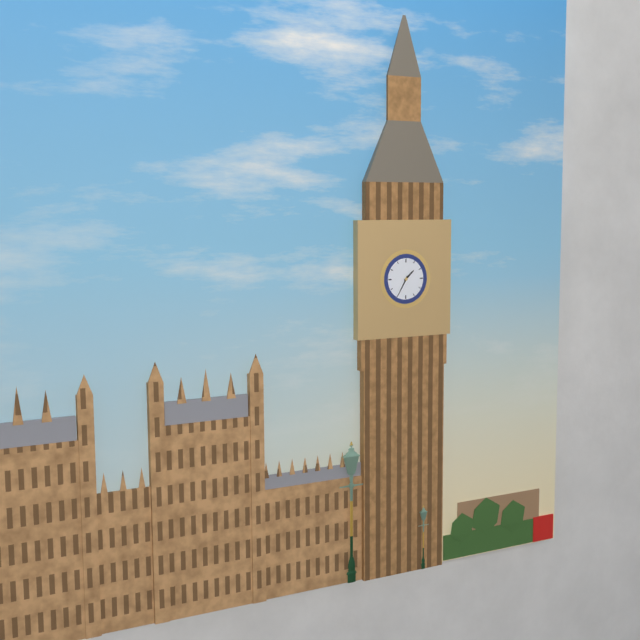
h=1 m=35
